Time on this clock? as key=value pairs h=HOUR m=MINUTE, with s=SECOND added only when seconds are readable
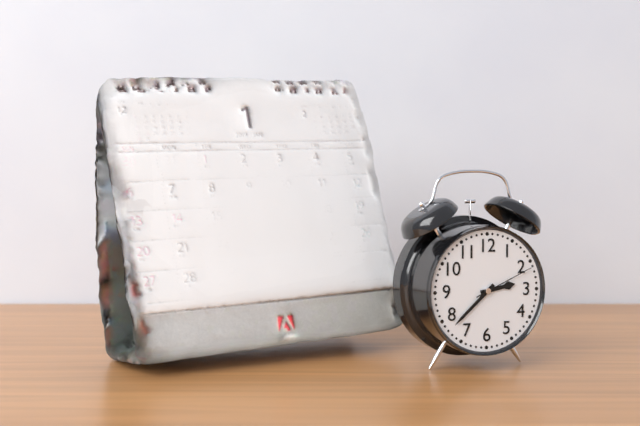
h=2 m=38 s=11
